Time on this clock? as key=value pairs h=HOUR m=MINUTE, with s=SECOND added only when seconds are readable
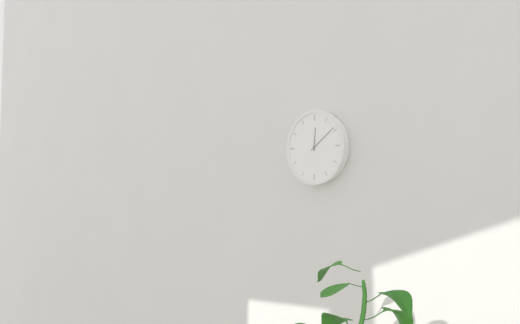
h=12 m=9
